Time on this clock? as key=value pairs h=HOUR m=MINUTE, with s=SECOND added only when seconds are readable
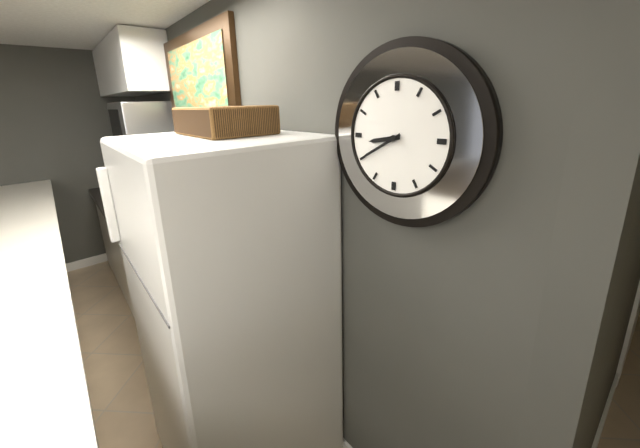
h=8 m=40
